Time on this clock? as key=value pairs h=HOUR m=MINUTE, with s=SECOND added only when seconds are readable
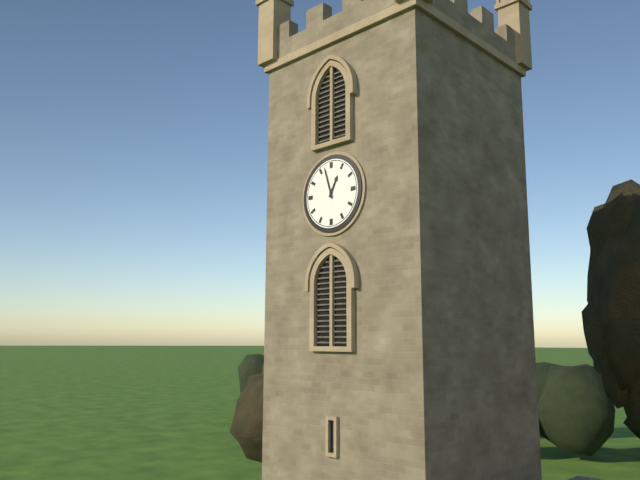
h=12 m=57
